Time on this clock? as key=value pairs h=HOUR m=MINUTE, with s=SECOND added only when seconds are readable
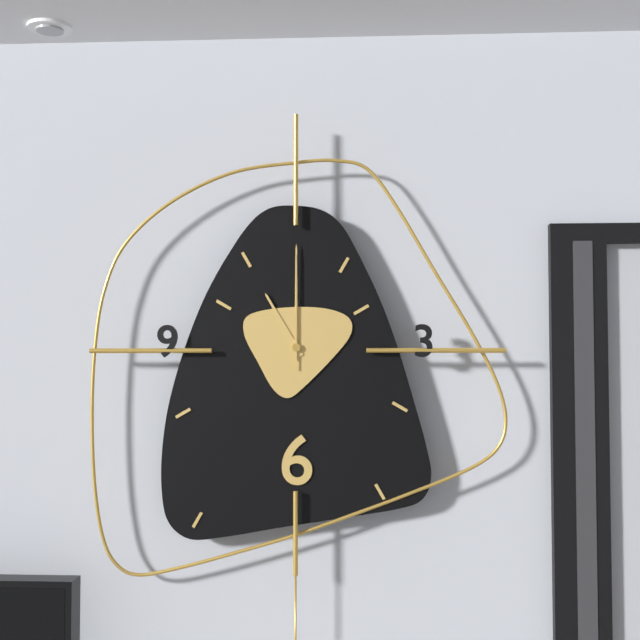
h=11 m=0 s=0
